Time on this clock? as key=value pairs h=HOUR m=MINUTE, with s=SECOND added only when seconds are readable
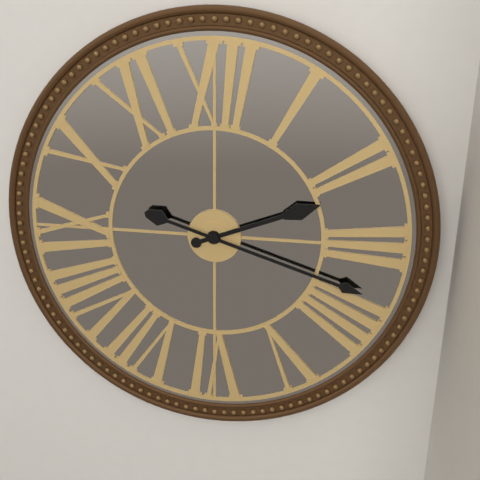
h=2 m=18
